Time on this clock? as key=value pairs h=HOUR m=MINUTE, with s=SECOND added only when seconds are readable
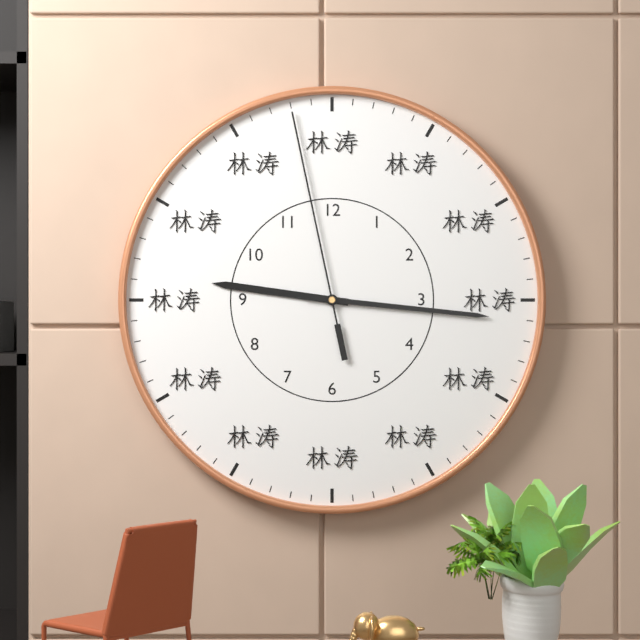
h=9 m=16 s=58
